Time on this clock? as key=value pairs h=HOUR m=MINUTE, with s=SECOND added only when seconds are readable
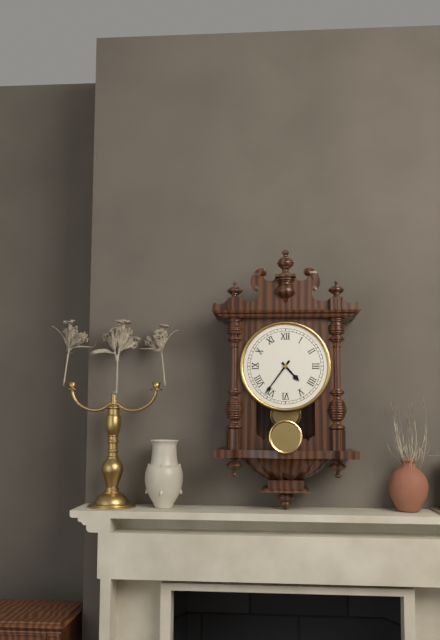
h=4 m=36
